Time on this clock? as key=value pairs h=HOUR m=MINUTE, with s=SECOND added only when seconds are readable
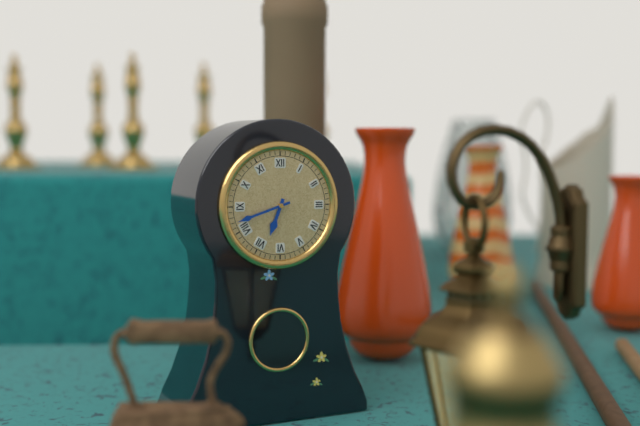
h=6 m=42
